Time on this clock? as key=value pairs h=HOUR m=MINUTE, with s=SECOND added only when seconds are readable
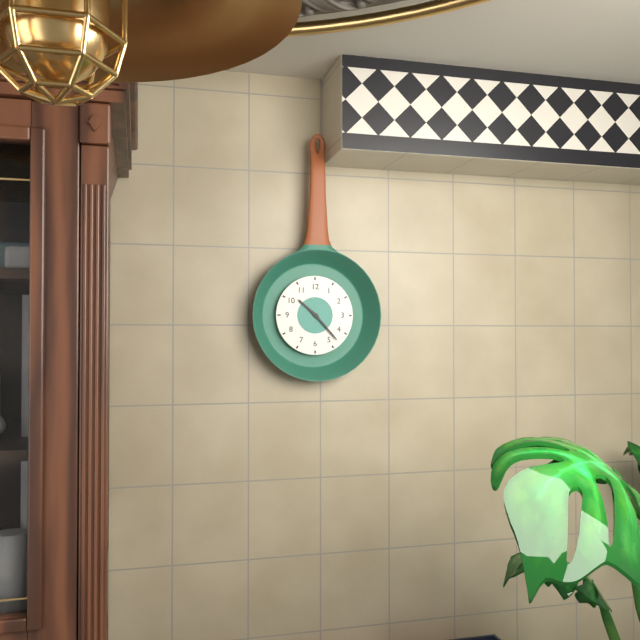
h=10 m=23
